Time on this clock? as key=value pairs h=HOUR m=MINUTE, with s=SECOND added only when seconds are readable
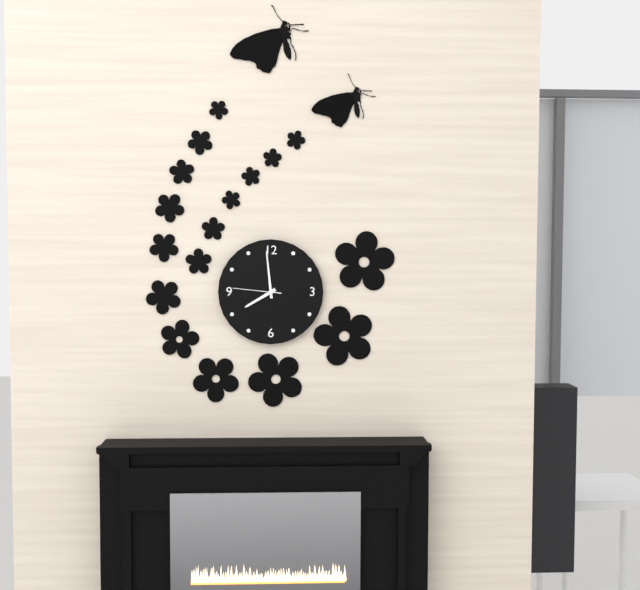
h=7 m=59 s=46
